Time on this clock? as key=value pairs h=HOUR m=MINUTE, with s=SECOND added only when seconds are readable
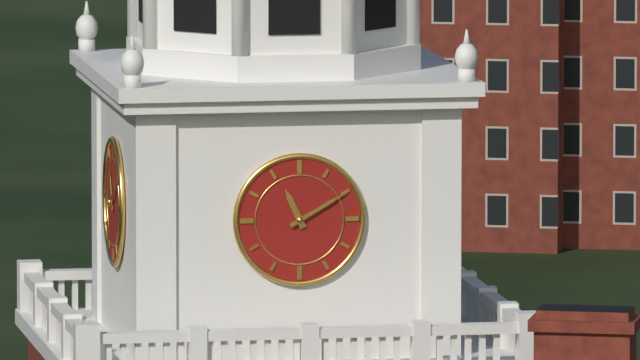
h=11 m=10
